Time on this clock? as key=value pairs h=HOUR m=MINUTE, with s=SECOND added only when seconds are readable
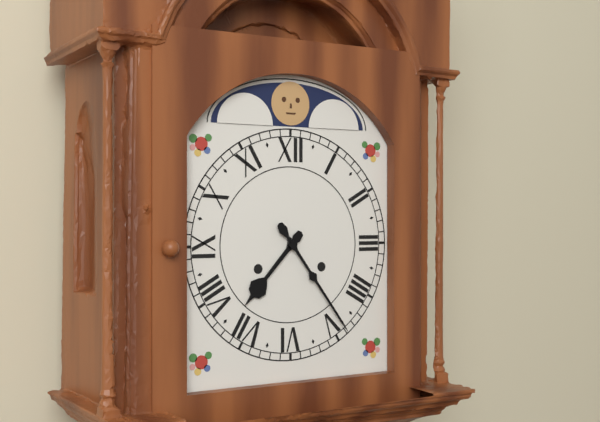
h=7 m=24
